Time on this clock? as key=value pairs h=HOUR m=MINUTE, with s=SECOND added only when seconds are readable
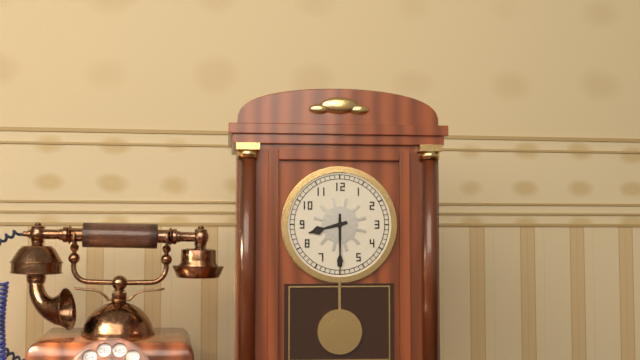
h=8 m=30
